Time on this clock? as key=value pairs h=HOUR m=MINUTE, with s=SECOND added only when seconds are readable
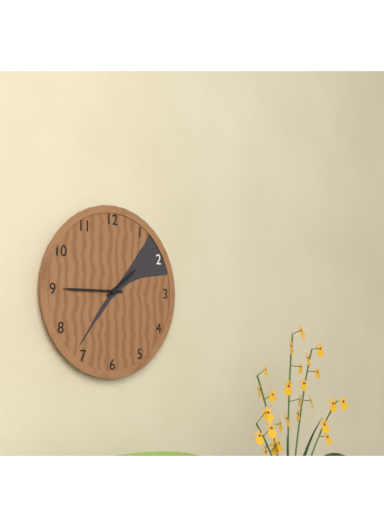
h=1 m=45
